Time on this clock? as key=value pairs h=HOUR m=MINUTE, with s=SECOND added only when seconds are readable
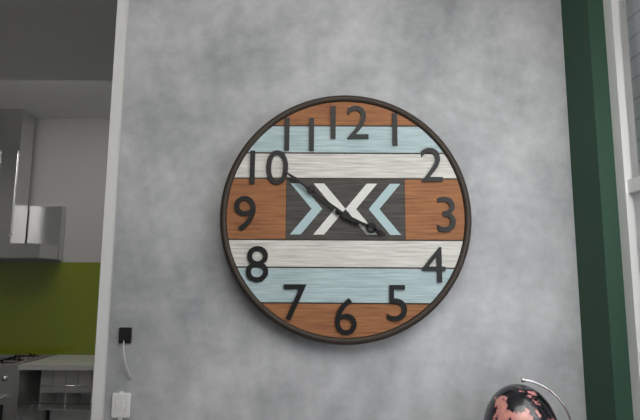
h=3 m=51
